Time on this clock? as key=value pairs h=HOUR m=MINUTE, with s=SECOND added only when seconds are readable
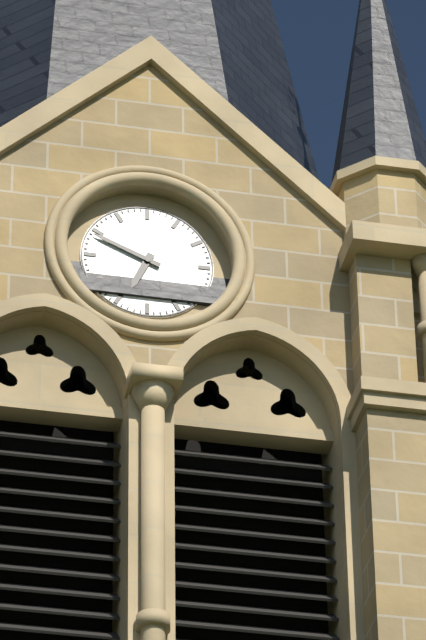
h=6 m=49
